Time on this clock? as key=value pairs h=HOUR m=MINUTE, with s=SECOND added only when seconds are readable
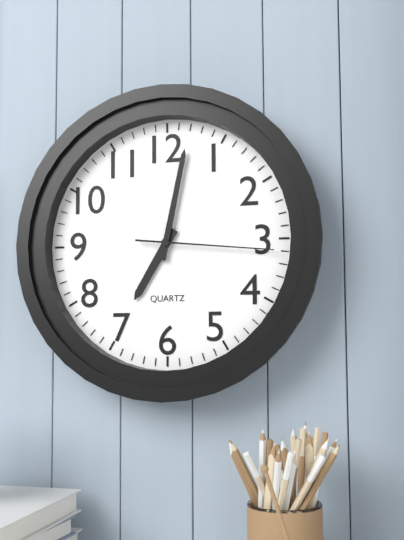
h=7 m=2 s=16
